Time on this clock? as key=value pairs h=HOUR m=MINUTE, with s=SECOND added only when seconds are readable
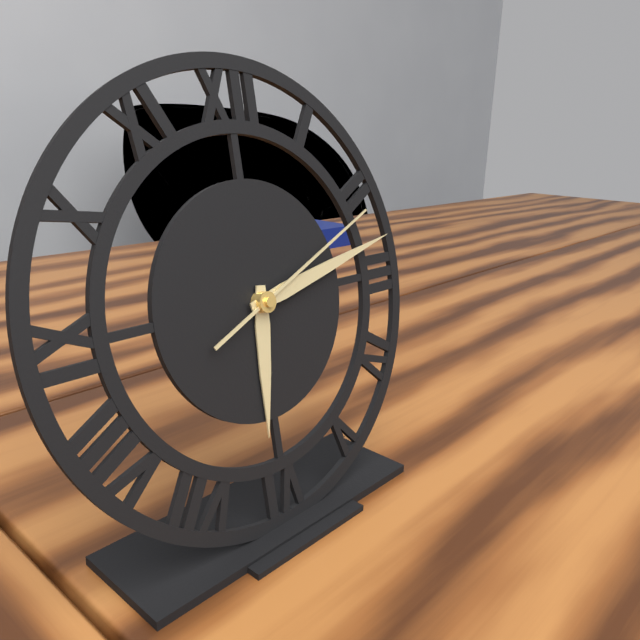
h=6 m=13 s=11
